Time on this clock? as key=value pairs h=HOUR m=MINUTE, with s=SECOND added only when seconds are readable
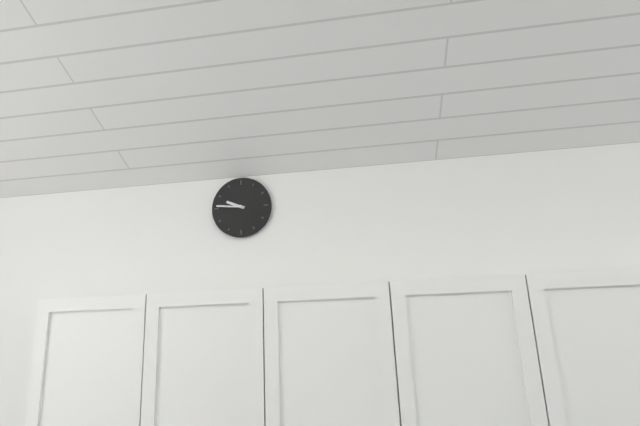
h=9 m=46
